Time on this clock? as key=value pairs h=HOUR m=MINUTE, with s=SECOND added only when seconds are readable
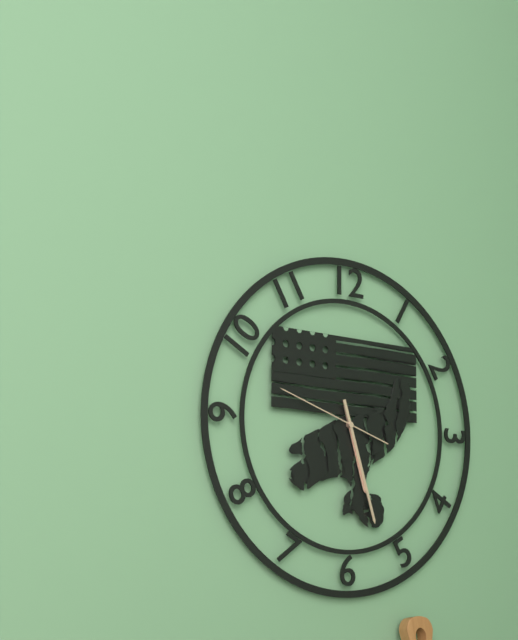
h=5 m=27 s=48
